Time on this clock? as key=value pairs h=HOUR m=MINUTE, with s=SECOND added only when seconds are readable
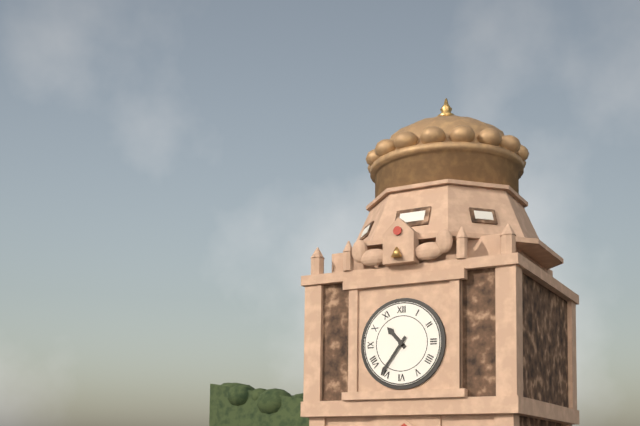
h=10 m=36
